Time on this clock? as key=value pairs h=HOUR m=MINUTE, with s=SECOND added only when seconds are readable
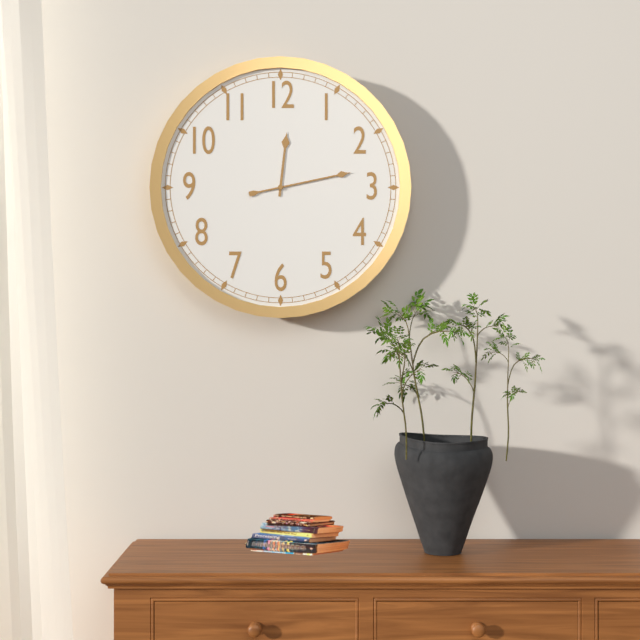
h=12 m=13
